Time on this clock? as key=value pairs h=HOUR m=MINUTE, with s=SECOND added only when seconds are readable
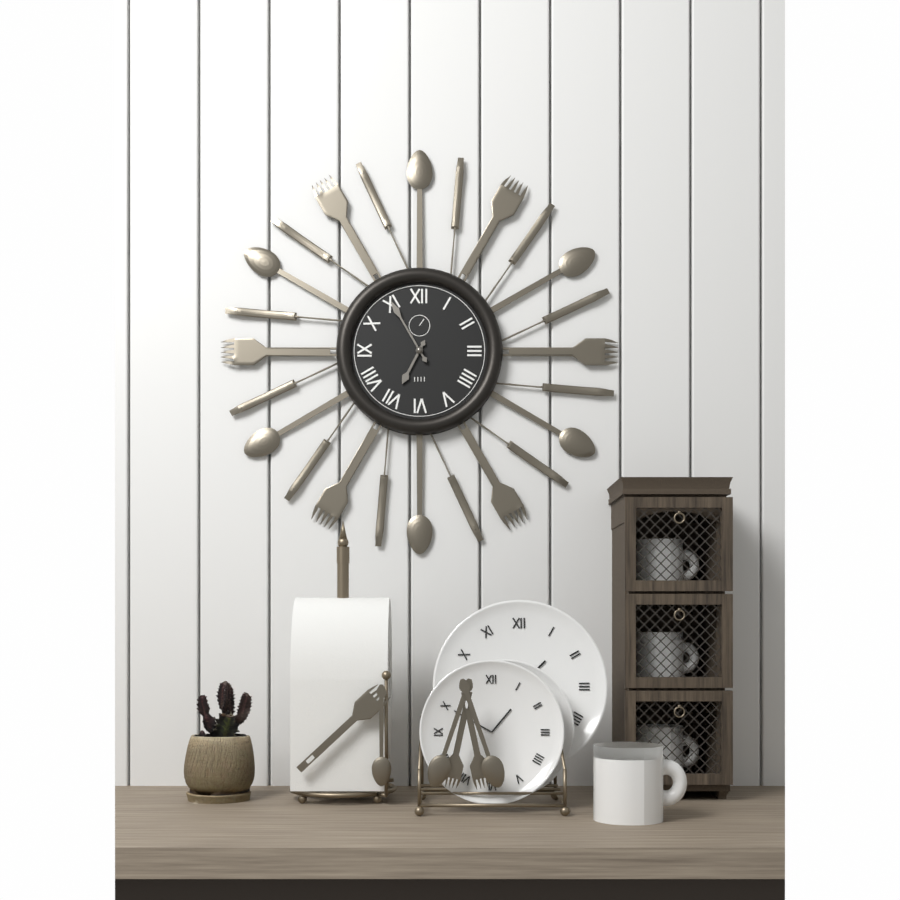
h=6 m=55
